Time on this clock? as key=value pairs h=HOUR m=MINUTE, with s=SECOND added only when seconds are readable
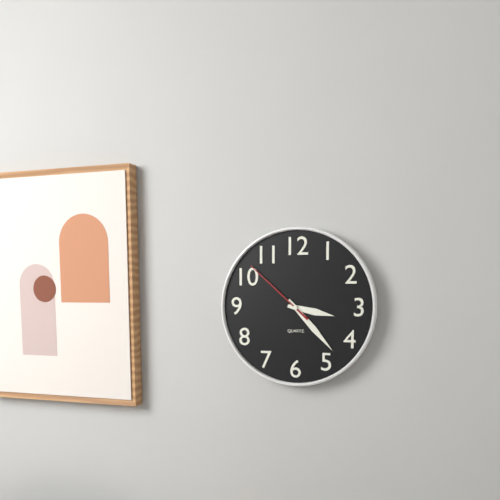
h=3 m=23 s=52
